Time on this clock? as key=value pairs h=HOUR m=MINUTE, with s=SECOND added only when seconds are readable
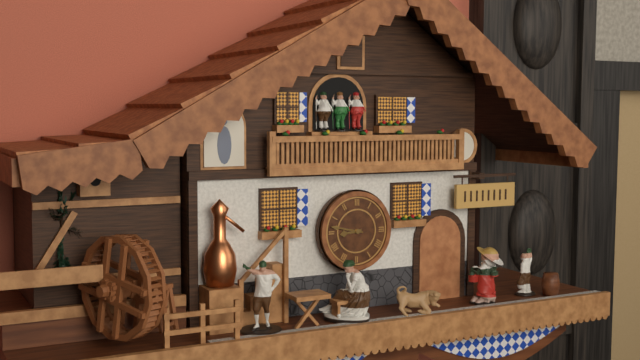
h=8 m=47
